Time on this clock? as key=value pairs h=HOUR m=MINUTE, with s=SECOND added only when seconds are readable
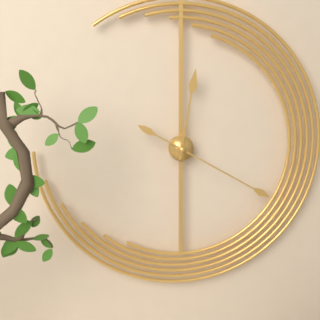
h=12 m=20
